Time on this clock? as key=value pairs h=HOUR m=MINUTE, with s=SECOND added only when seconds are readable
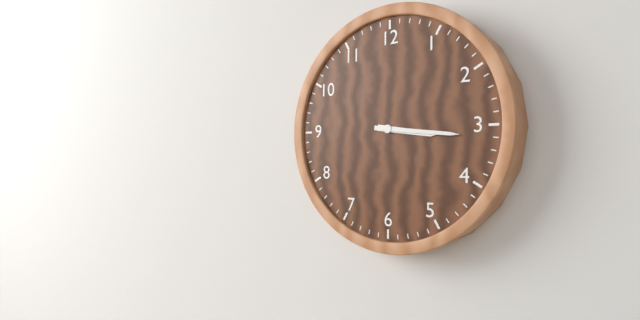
h=3 m=16
